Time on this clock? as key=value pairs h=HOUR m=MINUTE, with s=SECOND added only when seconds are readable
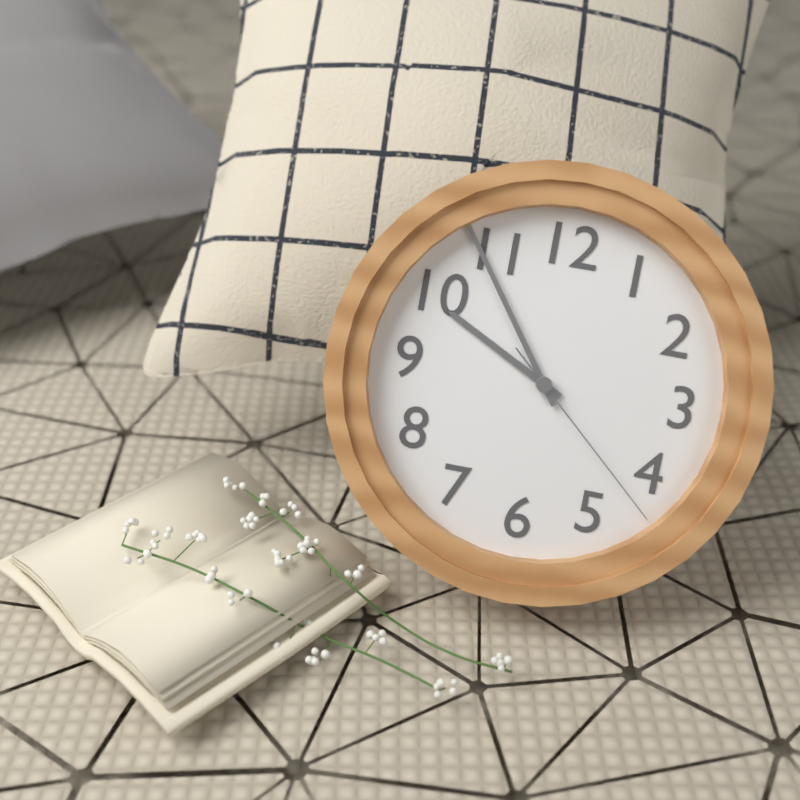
h=9 m=54 s=22
